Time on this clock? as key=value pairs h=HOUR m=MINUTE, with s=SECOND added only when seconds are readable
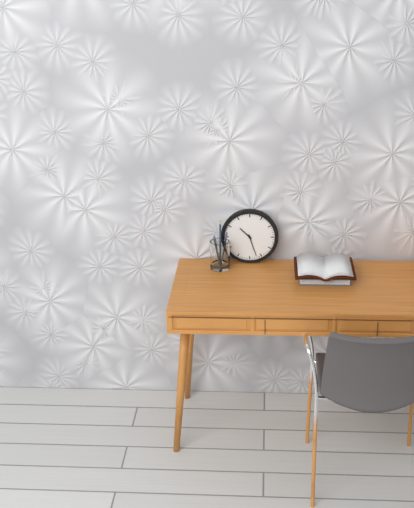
h=10 m=27
